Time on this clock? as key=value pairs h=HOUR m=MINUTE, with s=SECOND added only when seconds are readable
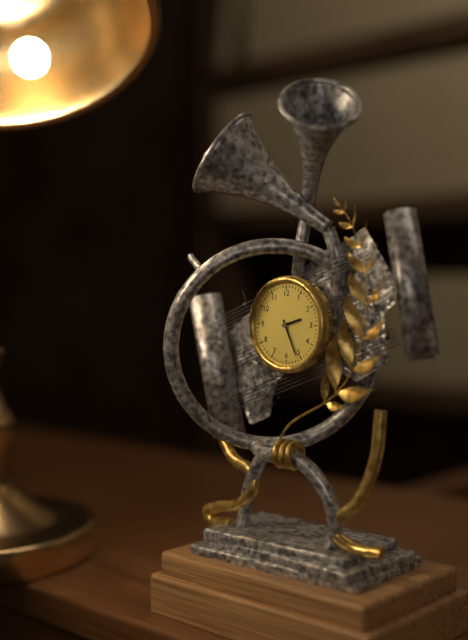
h=2 m=26
